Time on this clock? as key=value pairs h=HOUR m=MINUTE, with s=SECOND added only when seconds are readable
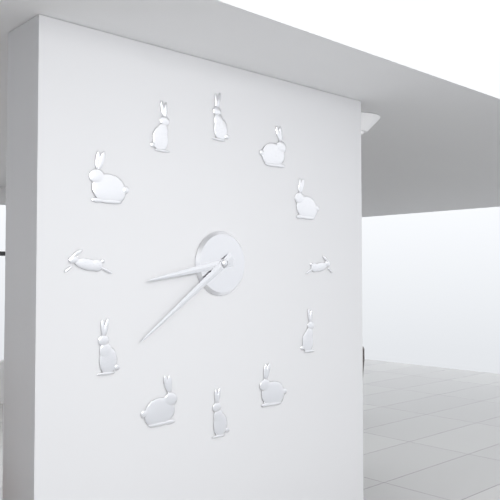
h=8 m=39
